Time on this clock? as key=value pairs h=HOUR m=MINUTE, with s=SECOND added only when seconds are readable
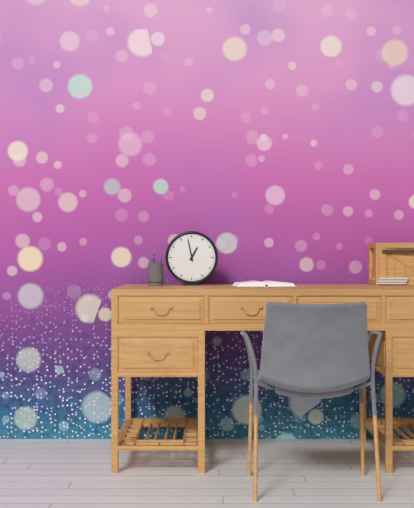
h=12 m=58
